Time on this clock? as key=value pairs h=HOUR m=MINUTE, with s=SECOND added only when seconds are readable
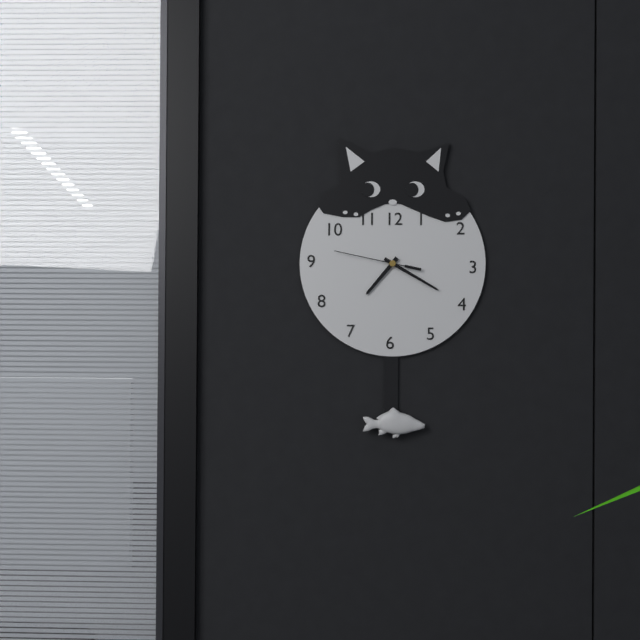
h=7 m=20 s=47
